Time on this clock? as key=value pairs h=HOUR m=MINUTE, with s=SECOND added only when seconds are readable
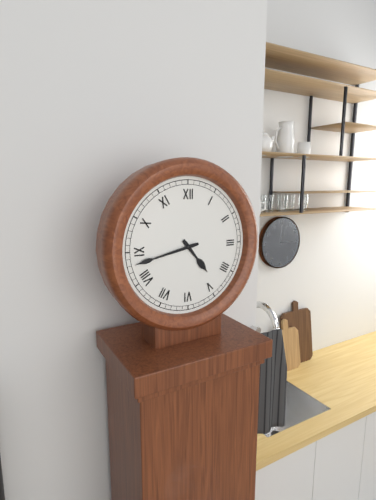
h=4 m=43
